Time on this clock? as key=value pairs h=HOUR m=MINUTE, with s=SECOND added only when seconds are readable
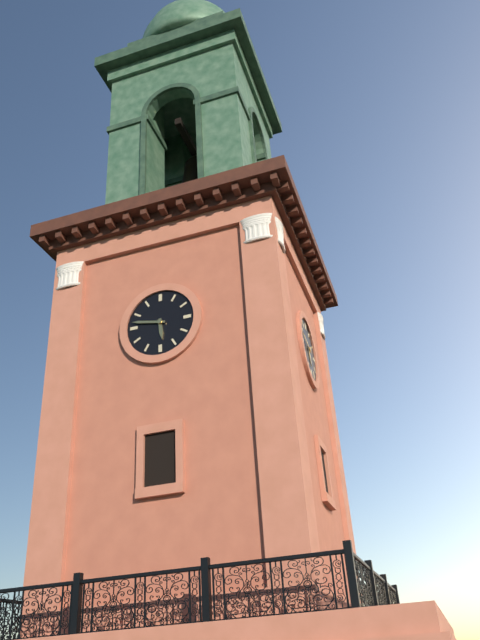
h=5 m=47
